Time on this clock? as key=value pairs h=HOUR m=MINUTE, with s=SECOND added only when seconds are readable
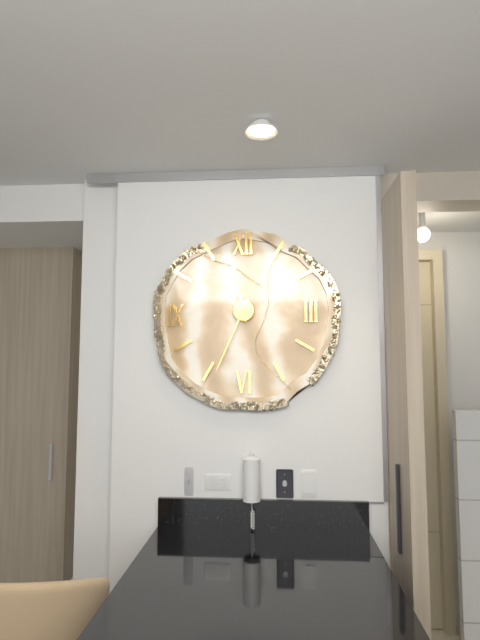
h=11 m=34
